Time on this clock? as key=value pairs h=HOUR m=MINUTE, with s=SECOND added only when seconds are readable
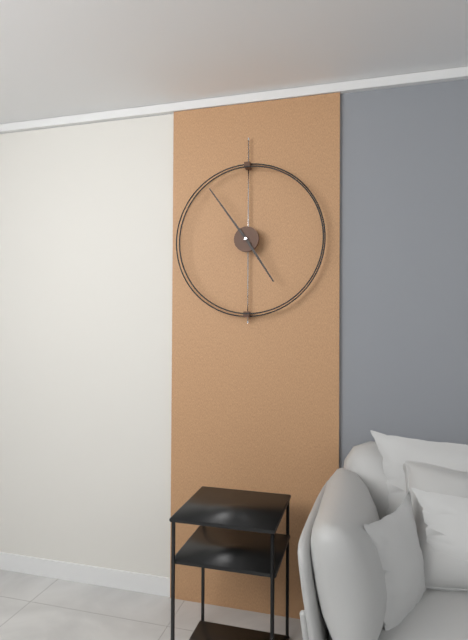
h=4 m=54
